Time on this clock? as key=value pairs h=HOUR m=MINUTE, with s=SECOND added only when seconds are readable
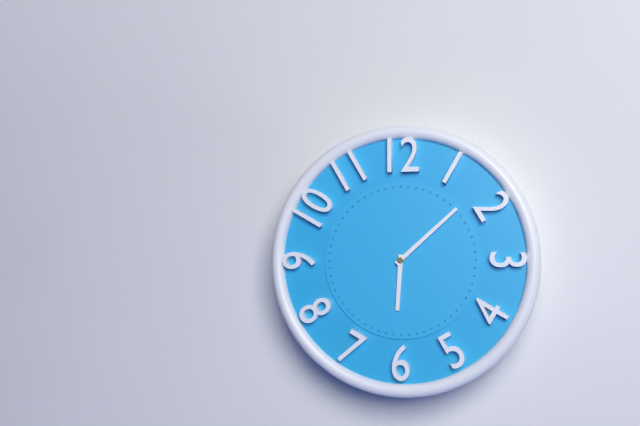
h=6 m=8
